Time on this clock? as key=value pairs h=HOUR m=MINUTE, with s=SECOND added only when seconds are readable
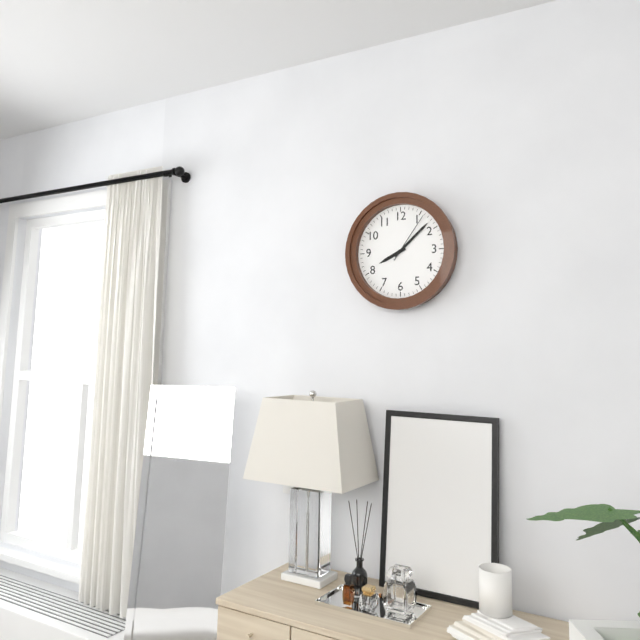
h=8 m=8 s=6
